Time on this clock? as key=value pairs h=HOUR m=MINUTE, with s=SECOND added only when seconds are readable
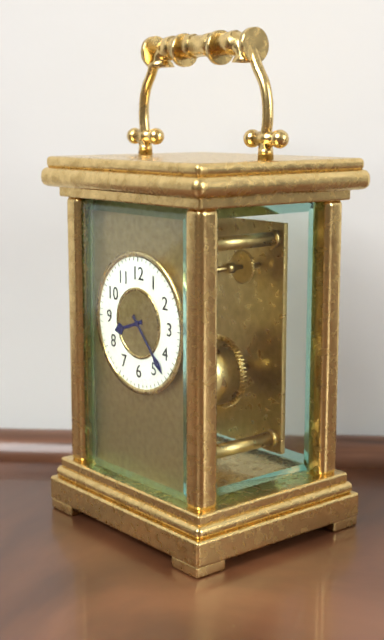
h=8 m=23
